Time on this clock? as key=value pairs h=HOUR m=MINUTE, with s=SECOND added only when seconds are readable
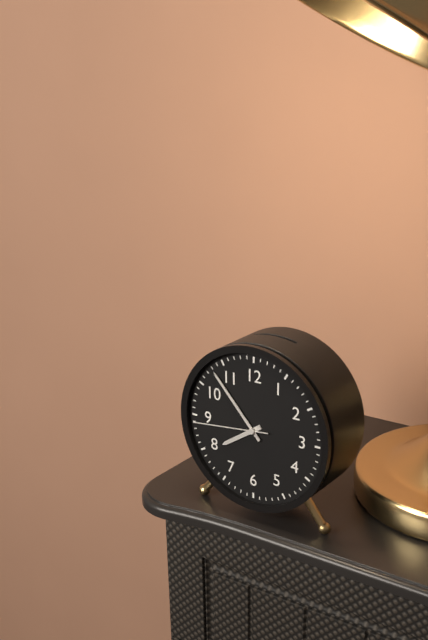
h=7 m=53 s=44
